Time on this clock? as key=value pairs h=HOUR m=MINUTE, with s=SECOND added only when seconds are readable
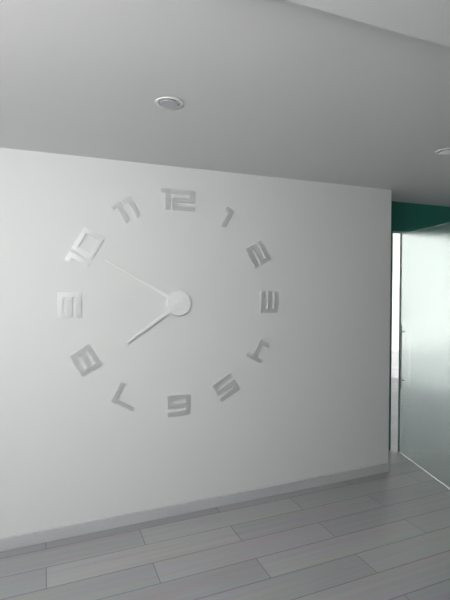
h=7 m=50
